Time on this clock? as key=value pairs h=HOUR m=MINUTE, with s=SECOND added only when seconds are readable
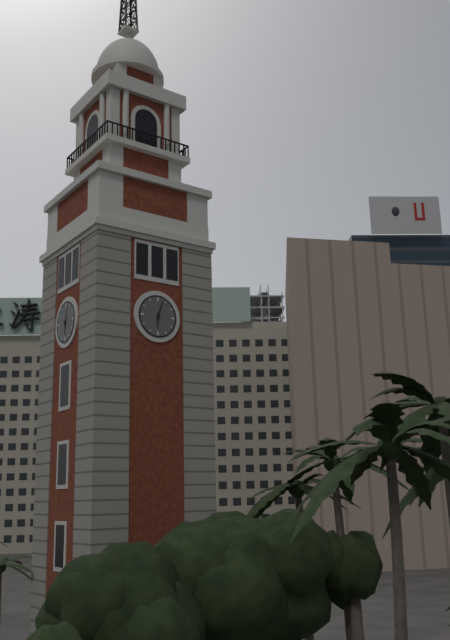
h=6 m=3
